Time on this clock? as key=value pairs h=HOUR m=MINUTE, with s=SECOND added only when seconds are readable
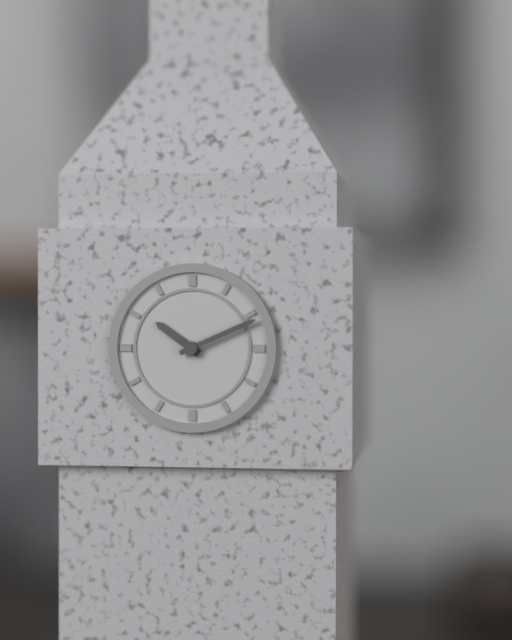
h=10 m=11
